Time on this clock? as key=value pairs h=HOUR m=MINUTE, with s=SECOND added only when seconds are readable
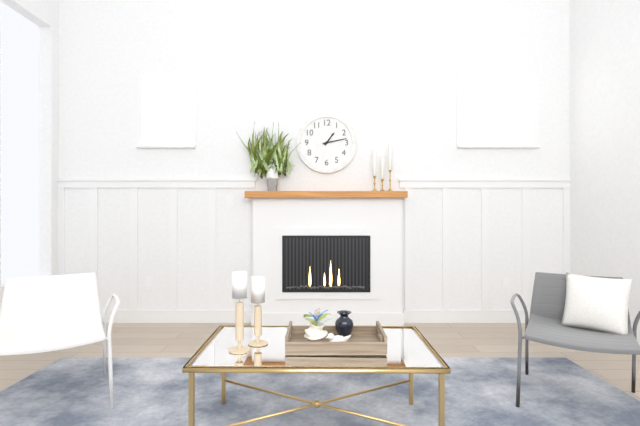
h=1 m=13
